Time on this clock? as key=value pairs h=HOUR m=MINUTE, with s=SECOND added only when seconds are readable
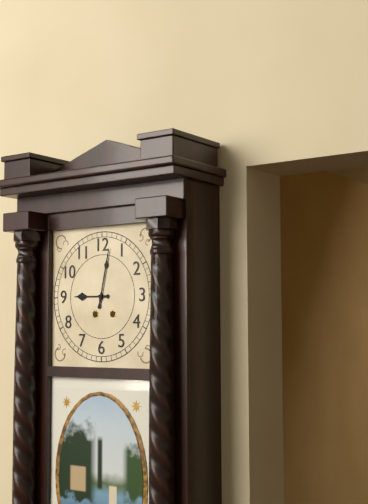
h=9 m=2
